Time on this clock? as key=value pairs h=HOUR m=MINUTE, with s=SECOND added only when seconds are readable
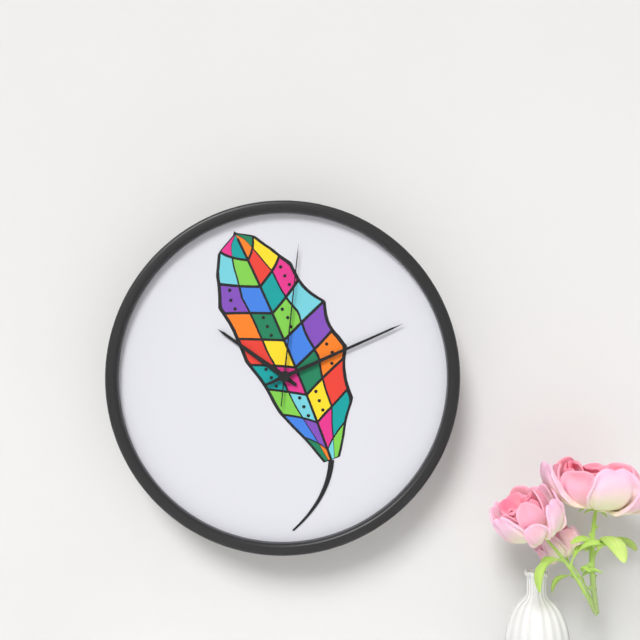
h=10 m=11 s=1
